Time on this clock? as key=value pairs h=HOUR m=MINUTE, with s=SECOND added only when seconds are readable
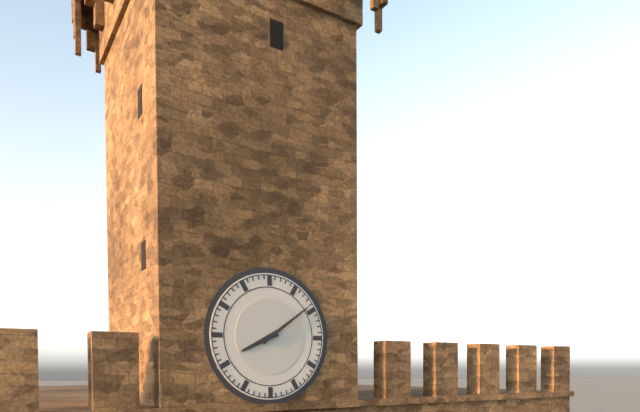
h=8 m=9
